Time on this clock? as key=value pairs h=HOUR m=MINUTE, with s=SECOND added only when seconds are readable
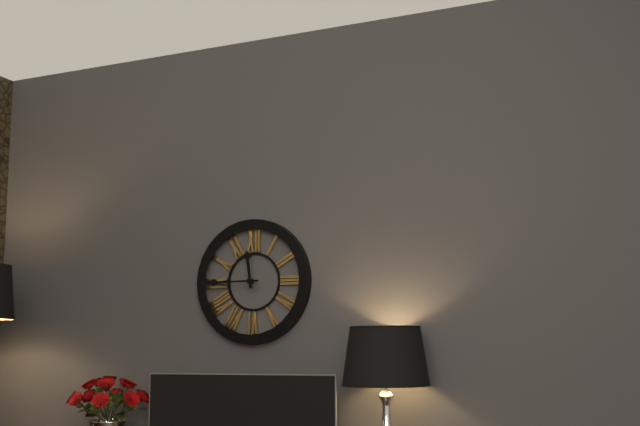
h=11 m=45
